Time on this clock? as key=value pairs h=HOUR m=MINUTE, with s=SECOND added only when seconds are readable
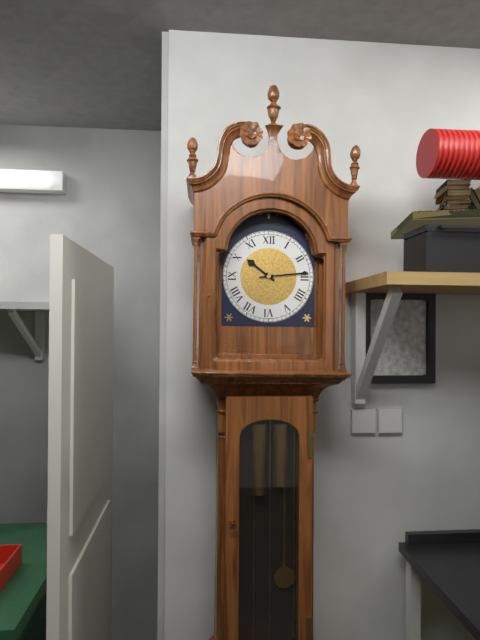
h=10 m=14
